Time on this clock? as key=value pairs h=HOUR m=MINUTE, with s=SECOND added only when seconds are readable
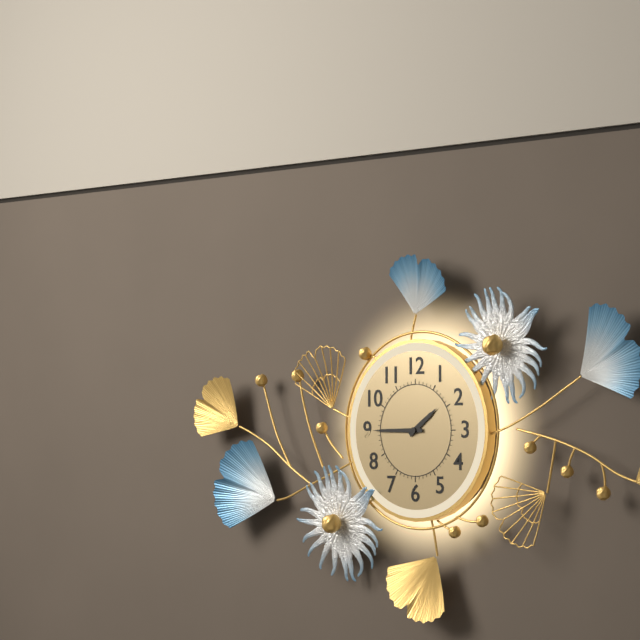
h=1 m=45
